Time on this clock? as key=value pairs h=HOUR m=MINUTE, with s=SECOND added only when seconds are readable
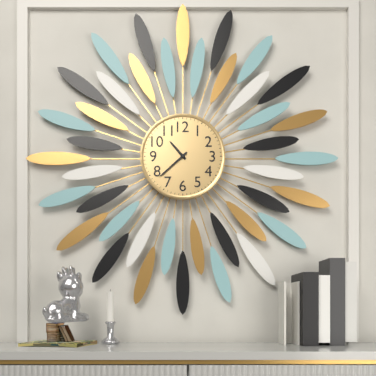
h=10 m=38
